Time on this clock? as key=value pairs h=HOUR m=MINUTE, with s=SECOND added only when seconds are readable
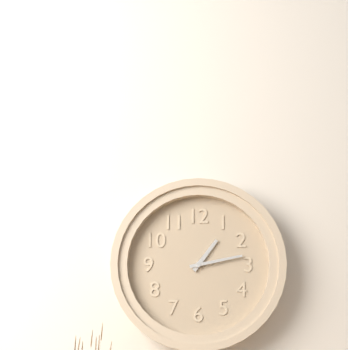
h=1 m=13
